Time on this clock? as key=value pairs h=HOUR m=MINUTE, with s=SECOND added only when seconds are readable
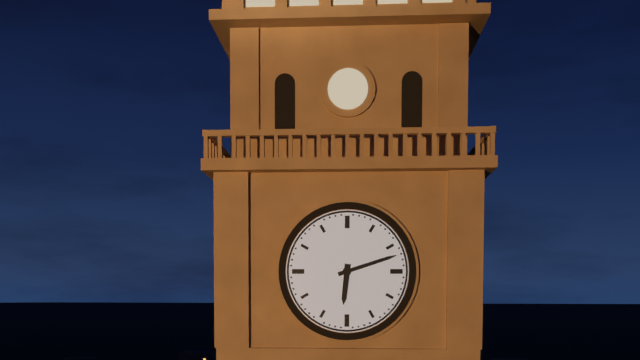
h=6 m=12
